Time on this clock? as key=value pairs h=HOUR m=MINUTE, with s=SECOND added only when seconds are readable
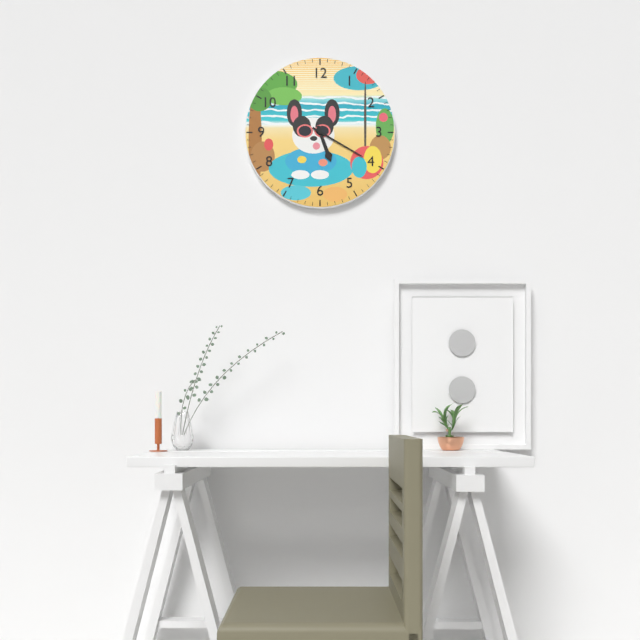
h=5 m=20
